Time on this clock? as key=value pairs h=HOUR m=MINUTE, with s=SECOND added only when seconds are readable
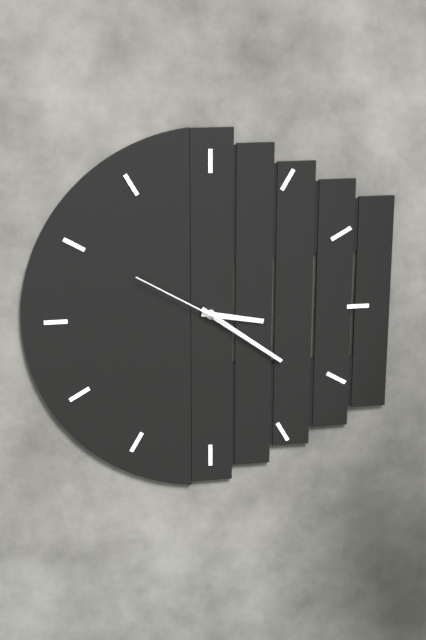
h=3 m=21 s=50
